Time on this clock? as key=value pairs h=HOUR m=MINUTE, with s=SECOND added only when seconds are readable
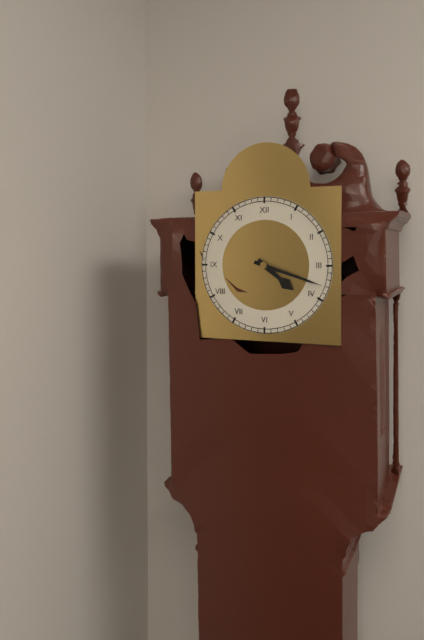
h=4 m=18
